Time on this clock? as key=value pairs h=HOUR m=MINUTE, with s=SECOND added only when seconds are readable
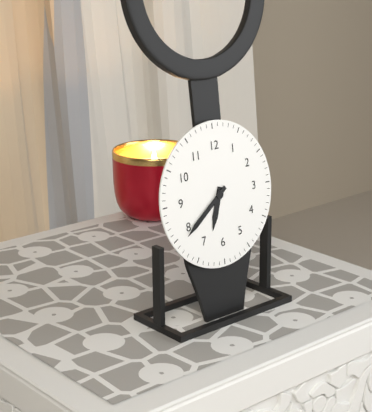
h=6 m=39
